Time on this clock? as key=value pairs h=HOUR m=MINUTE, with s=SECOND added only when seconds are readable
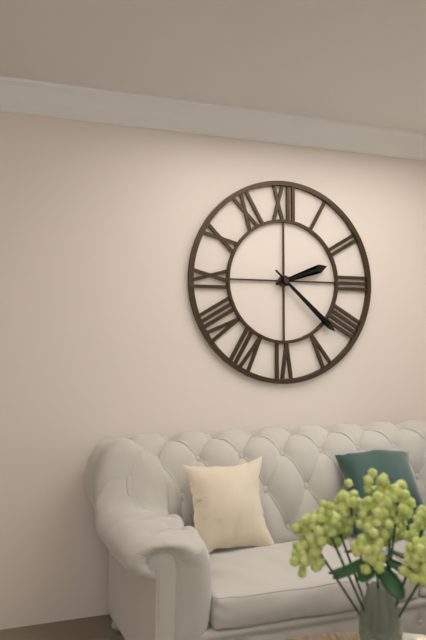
h=2 m=22
